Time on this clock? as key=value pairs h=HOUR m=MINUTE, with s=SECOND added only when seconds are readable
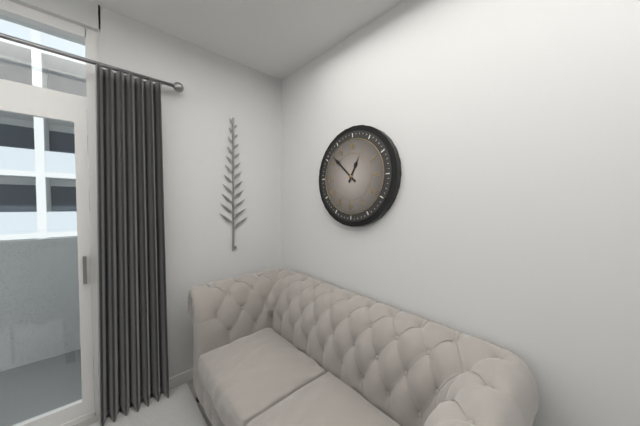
h=12 m=52
